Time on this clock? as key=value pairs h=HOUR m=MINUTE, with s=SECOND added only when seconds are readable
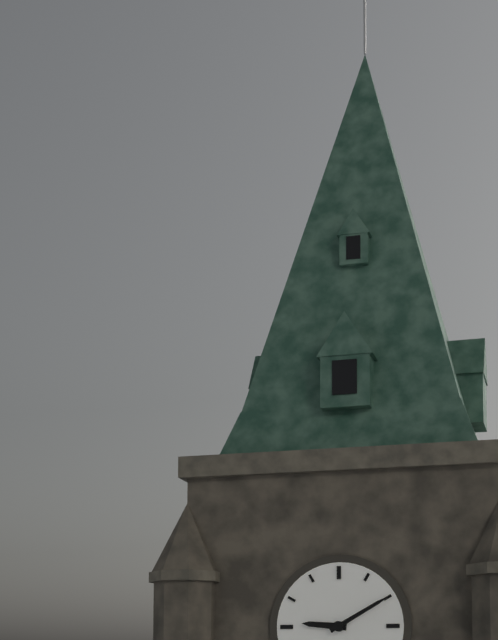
h=9 m=10
